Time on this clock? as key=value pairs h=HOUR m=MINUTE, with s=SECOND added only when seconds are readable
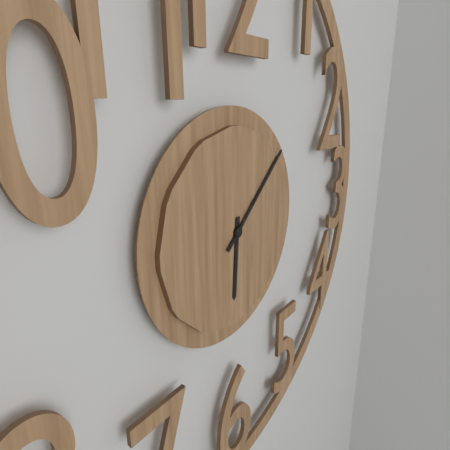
h=6 m=8
